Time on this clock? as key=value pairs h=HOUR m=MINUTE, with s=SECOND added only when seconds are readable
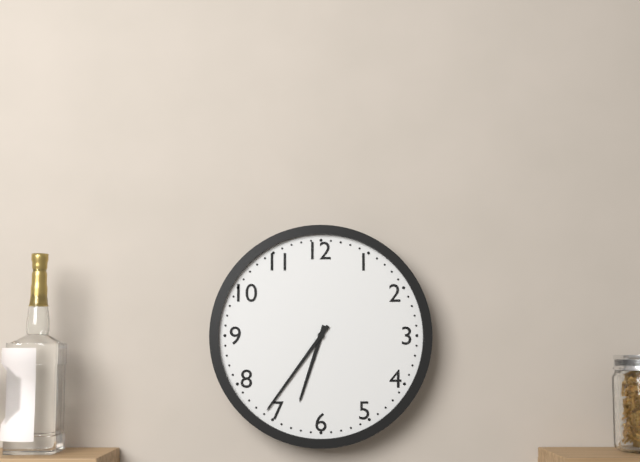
h=6 m=36
